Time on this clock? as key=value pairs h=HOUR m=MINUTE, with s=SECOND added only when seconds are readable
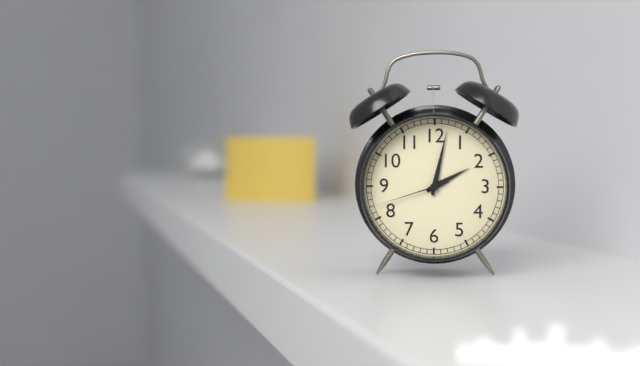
h=2 m=2 s=42
